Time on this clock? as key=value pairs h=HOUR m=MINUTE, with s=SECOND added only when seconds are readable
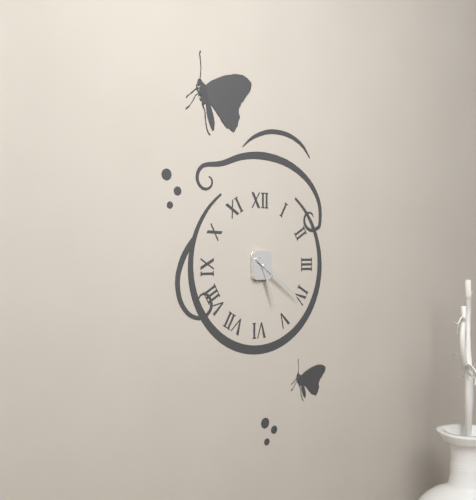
h=5 m=21
